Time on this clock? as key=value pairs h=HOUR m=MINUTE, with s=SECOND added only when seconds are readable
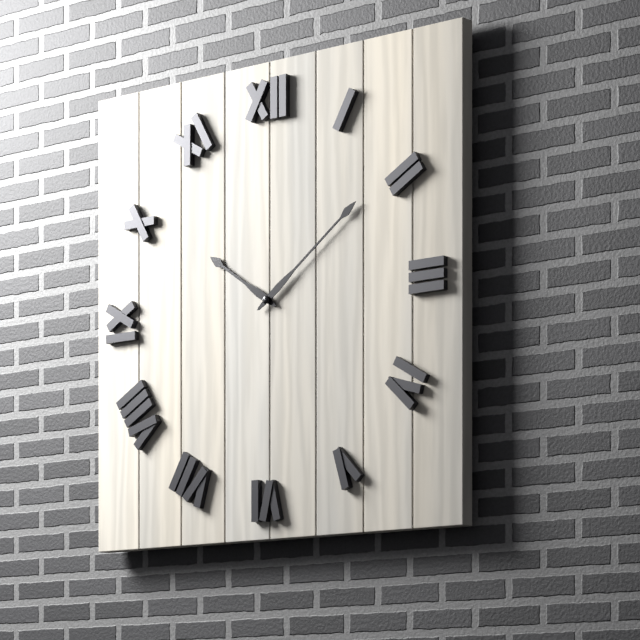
h=10 m=9
